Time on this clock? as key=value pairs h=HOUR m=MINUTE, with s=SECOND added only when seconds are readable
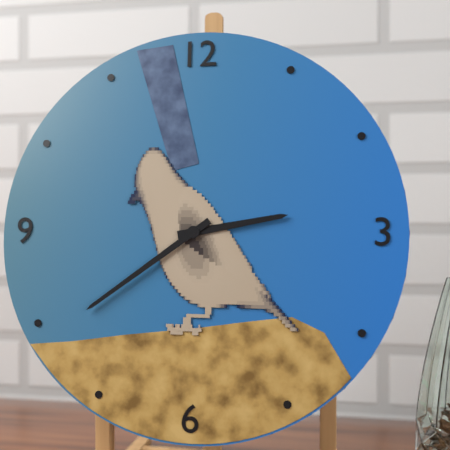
h=2 m=39
